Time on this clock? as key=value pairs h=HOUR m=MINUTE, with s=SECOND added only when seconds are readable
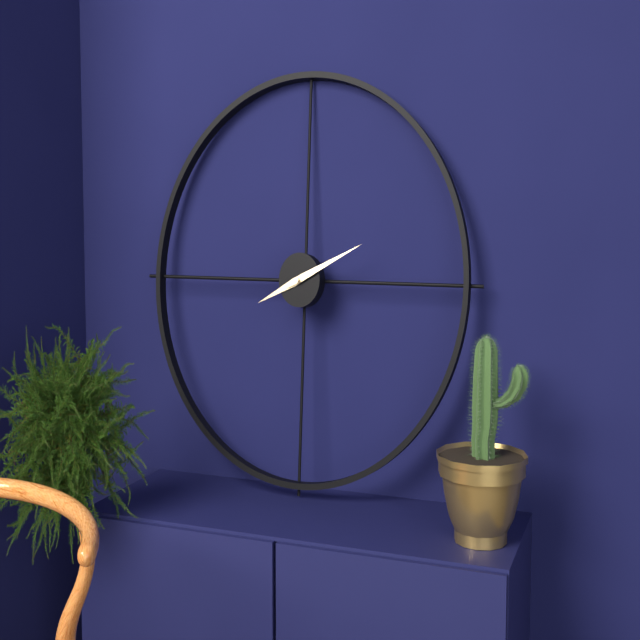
h=8 m=11
